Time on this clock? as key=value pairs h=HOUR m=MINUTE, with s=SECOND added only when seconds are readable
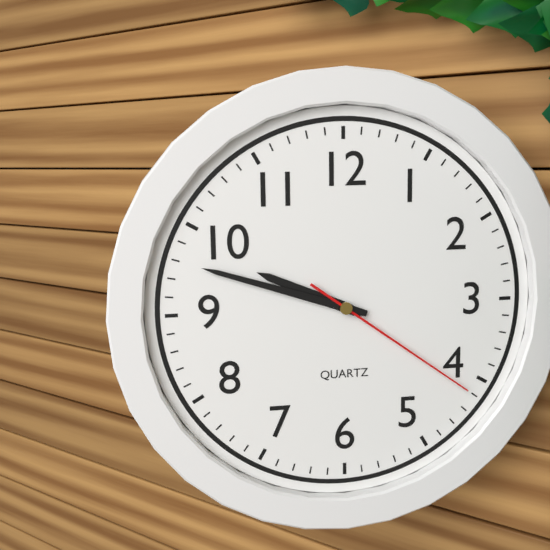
h=9 m=48 s=21
